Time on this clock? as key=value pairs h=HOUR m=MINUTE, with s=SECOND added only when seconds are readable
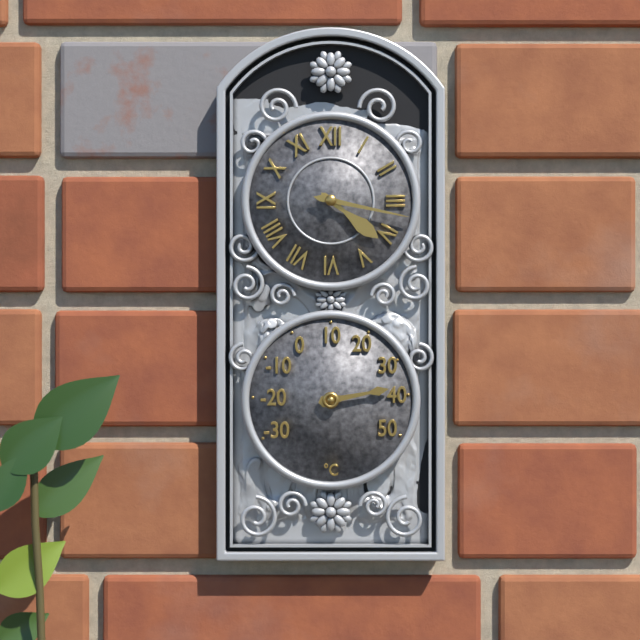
h=4 m=17
